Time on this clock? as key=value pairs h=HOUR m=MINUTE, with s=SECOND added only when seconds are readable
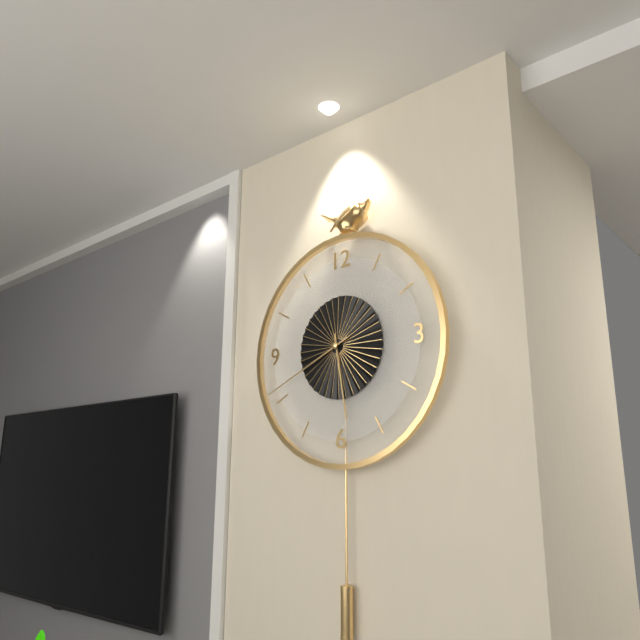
h=5 m=41
